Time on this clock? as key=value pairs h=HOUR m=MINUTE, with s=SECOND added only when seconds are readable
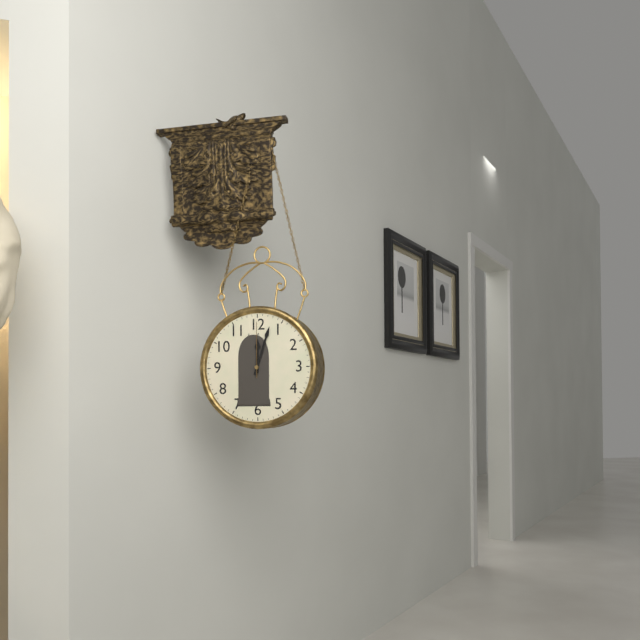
h=12 m=3 s=0
